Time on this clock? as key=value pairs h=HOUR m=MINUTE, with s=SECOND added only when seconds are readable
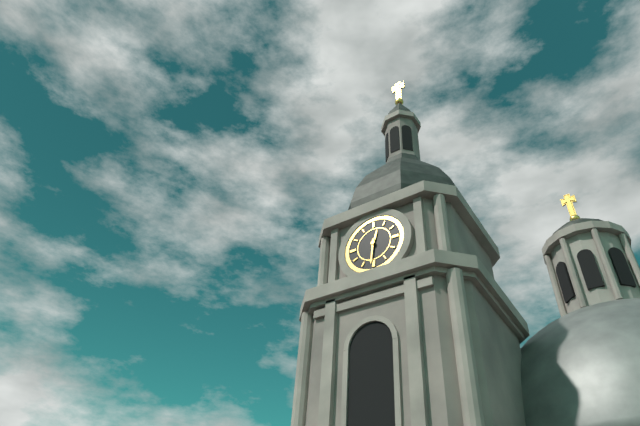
h=12 m=31
